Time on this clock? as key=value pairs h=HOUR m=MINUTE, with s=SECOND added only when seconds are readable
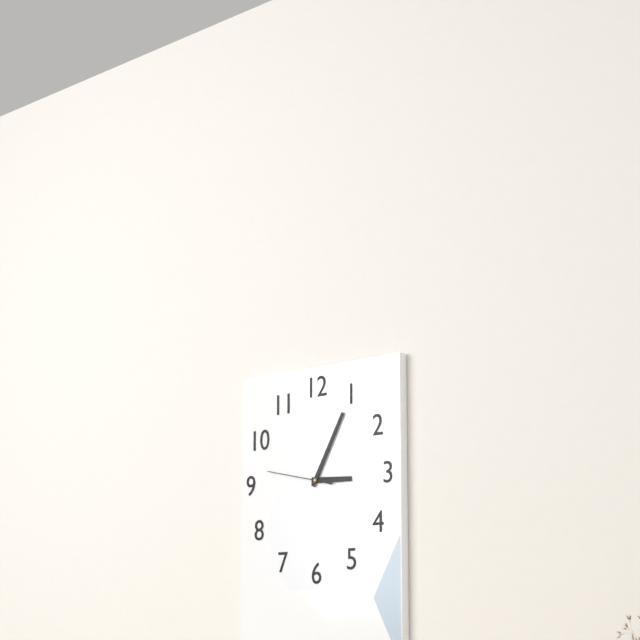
h=3 m=5 s=47
